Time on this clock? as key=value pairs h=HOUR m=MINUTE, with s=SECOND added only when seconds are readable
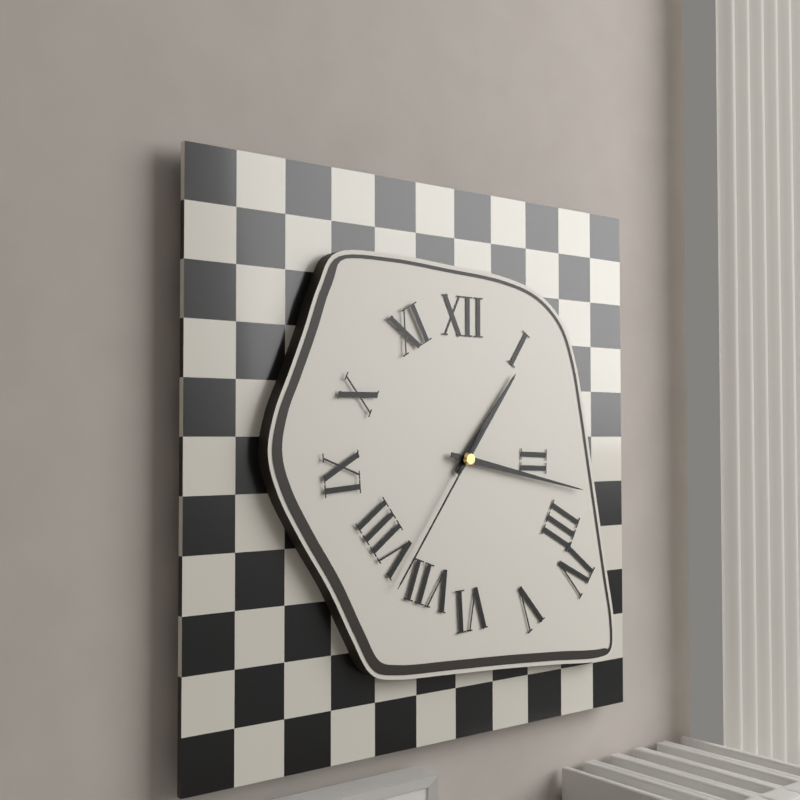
h=1 m=17 s=36
